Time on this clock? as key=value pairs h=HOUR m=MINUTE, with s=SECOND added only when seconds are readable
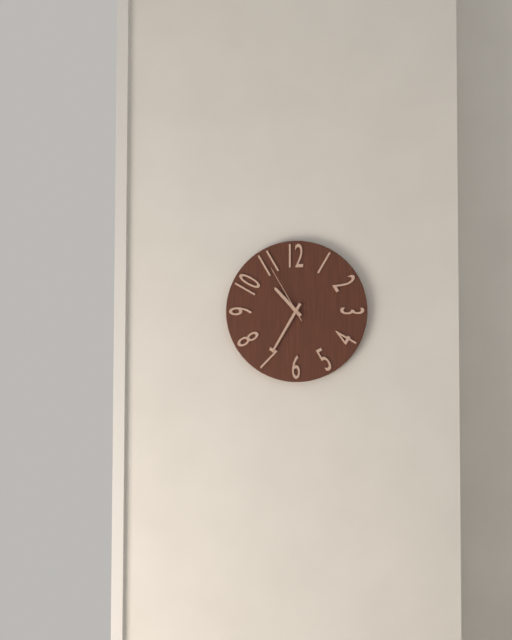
h=10 m=35 s=55
